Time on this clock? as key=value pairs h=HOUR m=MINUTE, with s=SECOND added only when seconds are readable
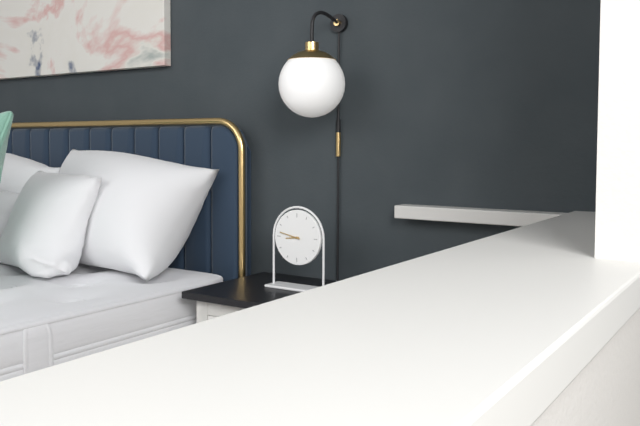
h=8 m=47
